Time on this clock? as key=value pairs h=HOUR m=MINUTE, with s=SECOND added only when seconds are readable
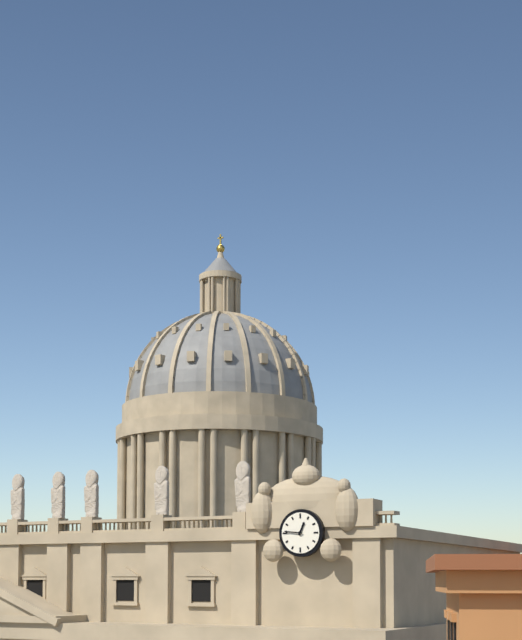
h=12 m=46
